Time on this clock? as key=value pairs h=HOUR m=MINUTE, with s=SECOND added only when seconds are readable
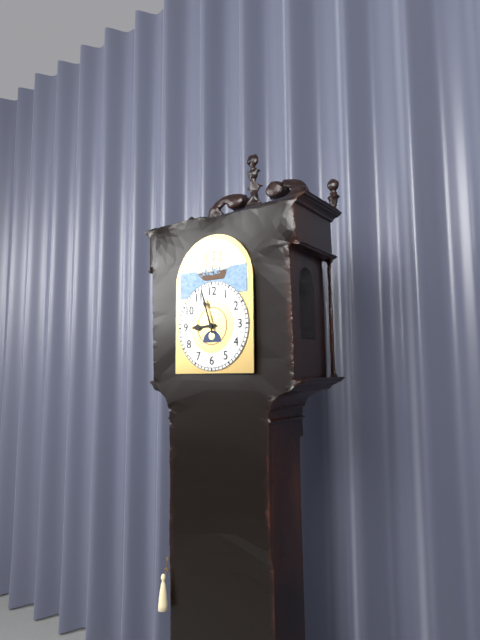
h=8 m=57
